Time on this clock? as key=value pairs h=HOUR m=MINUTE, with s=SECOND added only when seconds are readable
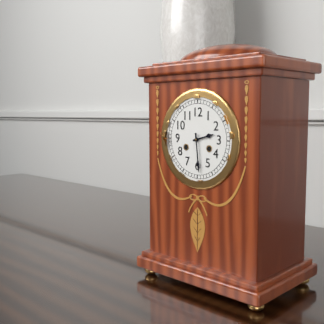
h=2 m=29
